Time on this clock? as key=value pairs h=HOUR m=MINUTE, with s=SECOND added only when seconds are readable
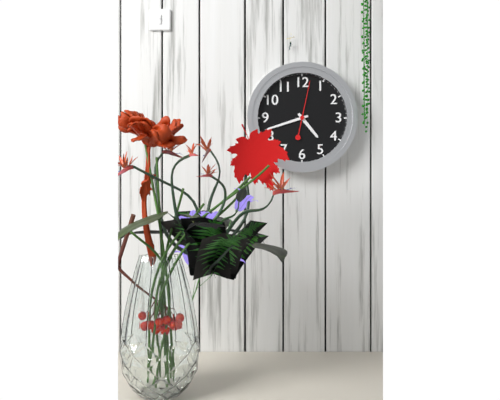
h=4 m=42
